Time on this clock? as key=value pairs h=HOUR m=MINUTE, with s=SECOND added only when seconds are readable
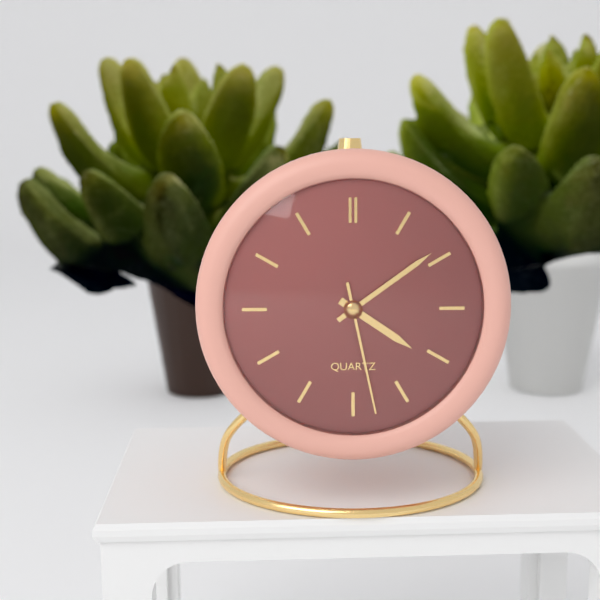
h=4 m=9 s=28
